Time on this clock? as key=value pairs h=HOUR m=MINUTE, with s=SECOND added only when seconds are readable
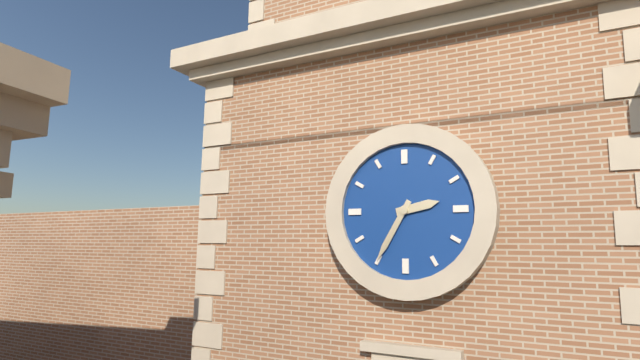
h=2 m=35
